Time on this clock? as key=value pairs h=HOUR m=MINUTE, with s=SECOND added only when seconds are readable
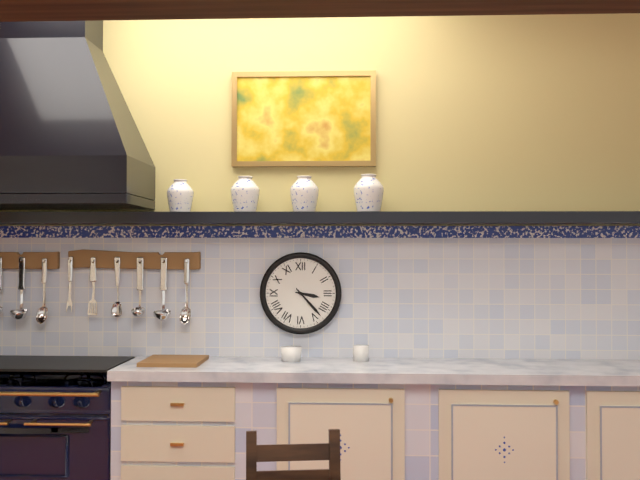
h=3 m=23
